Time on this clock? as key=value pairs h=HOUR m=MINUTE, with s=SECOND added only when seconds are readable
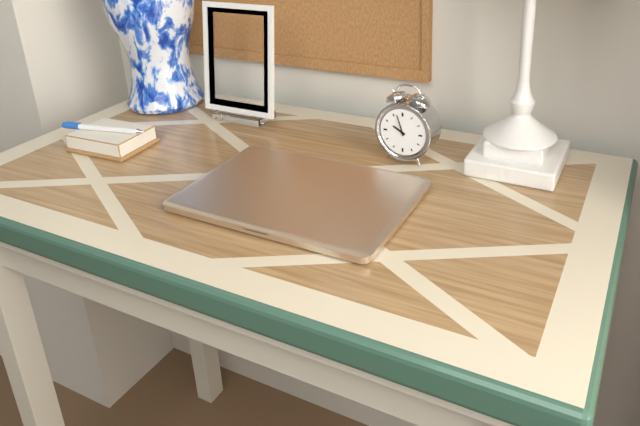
h=9 m=57
